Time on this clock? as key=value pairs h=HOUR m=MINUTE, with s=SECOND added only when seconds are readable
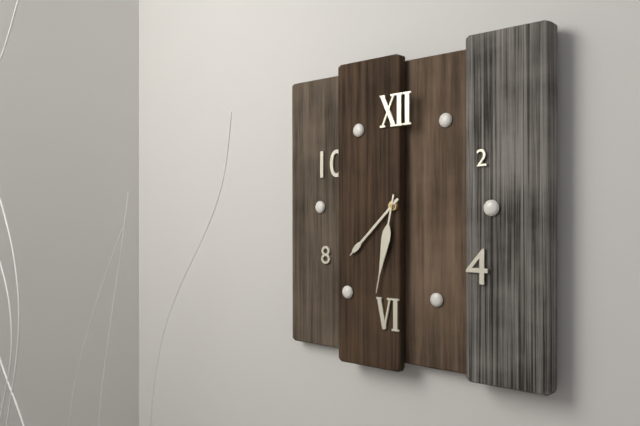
h=7 m=32
